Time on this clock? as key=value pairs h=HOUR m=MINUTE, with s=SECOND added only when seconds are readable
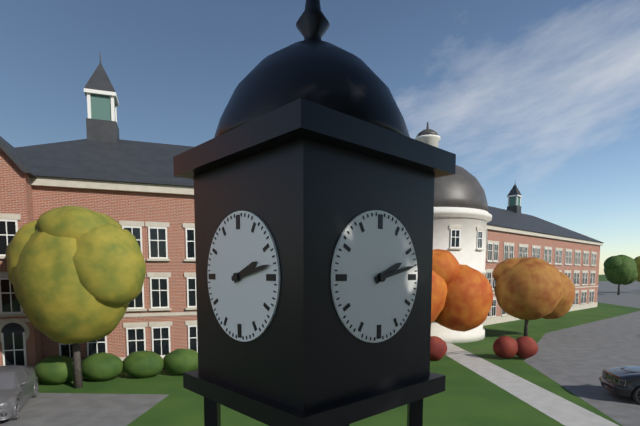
h=2 m=13
